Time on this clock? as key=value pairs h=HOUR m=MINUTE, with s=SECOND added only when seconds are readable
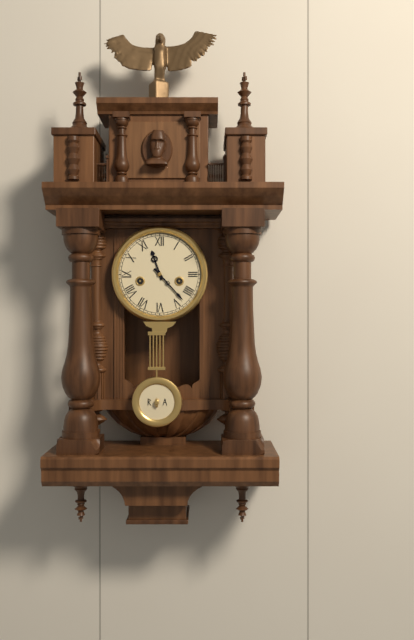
h=11 m=23
